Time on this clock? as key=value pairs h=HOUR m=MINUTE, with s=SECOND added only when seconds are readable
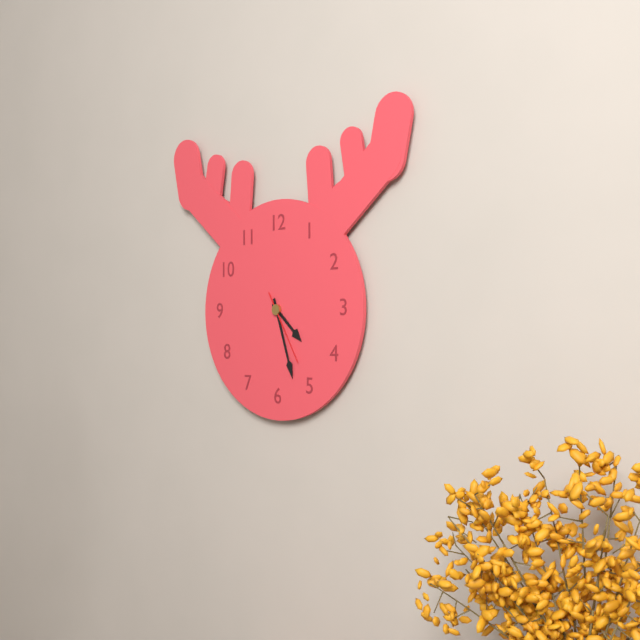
h=4 m=27 s=25
